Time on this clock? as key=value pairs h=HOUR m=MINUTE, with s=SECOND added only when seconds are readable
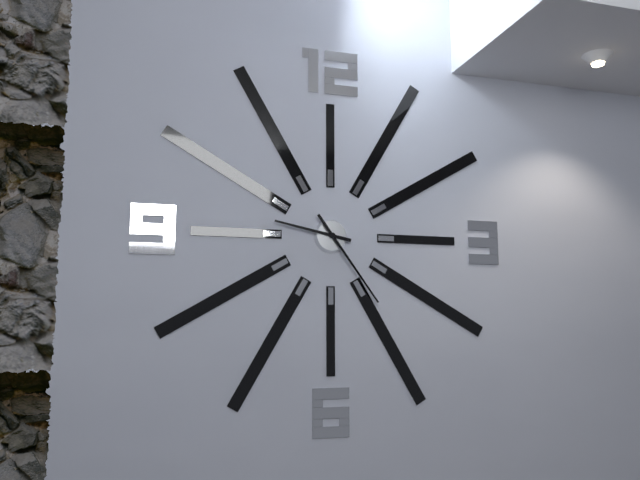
h=9 m=24
